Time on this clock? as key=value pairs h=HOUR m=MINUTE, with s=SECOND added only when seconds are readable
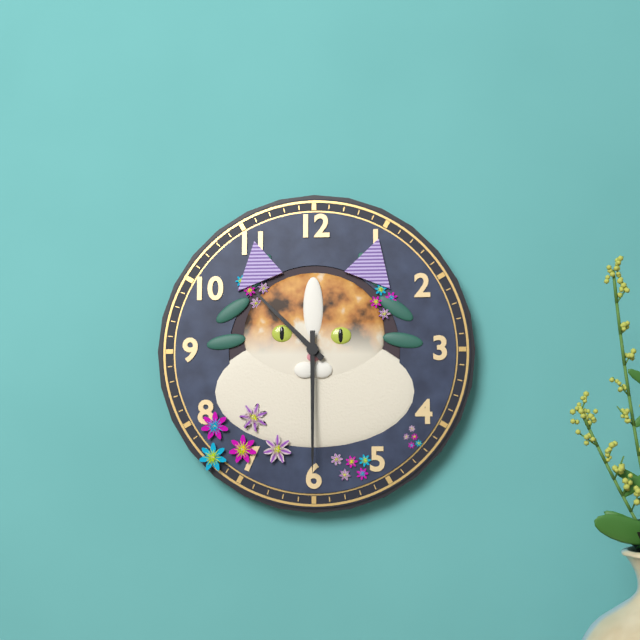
h=10 m=30
